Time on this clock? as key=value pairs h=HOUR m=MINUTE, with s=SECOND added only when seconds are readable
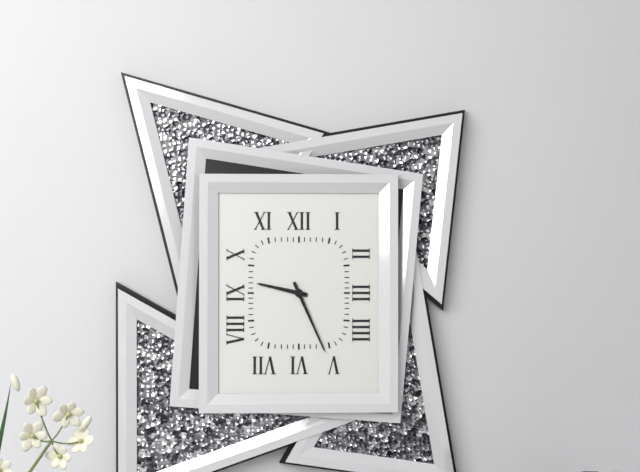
h=9 m=26
